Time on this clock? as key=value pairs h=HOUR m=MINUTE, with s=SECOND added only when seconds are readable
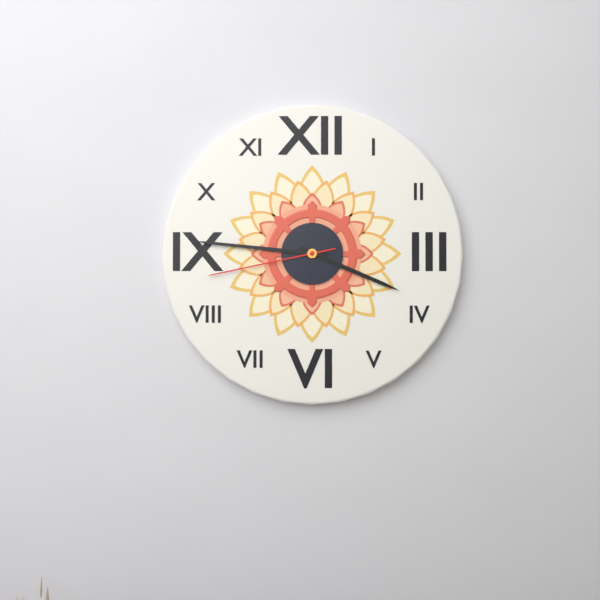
h=3 m=46 s=43
